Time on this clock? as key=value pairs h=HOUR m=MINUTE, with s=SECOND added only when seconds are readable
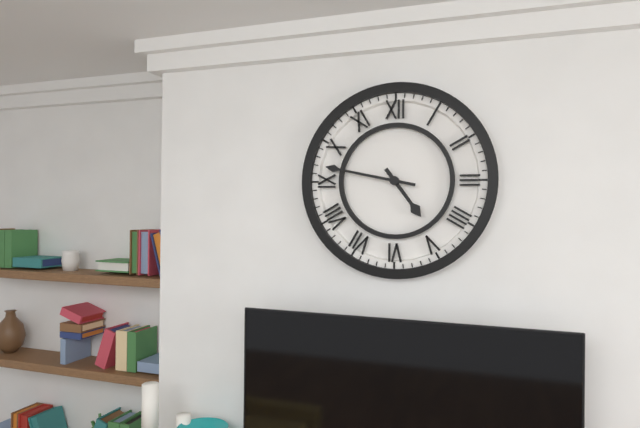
h=4 m=47
